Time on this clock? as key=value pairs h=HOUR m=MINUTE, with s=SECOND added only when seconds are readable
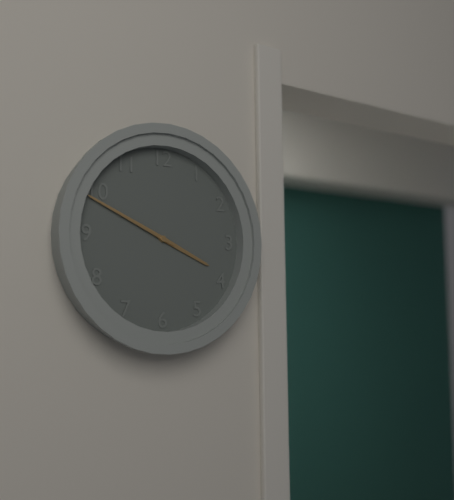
h=3 m=49
